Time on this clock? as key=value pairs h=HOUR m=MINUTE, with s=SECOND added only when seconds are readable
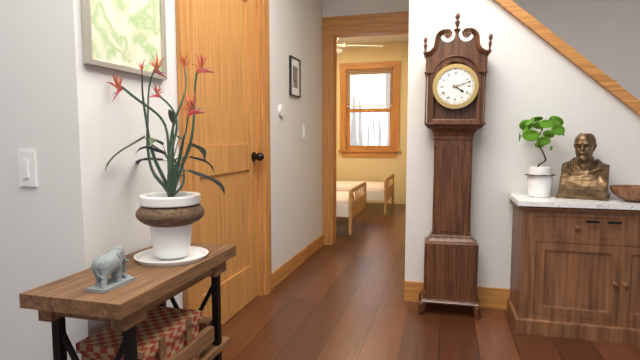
h=4 m=12
